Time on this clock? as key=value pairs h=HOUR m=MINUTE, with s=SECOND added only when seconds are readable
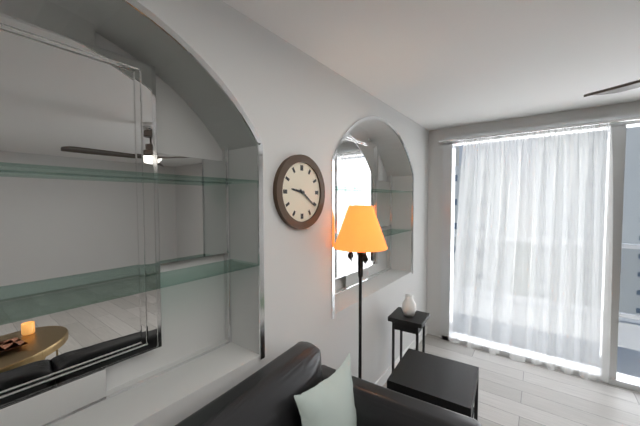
h=9 m=21
